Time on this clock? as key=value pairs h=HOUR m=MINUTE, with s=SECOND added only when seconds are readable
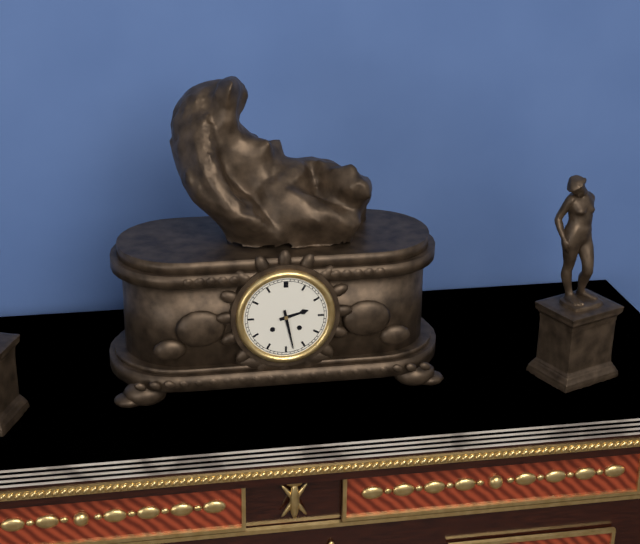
h=2 m=28
